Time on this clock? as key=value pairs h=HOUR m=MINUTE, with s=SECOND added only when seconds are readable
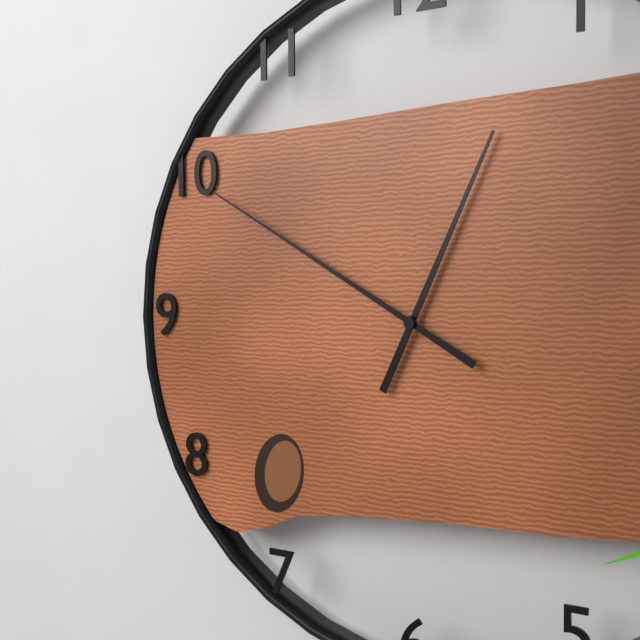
h=12 m=50
